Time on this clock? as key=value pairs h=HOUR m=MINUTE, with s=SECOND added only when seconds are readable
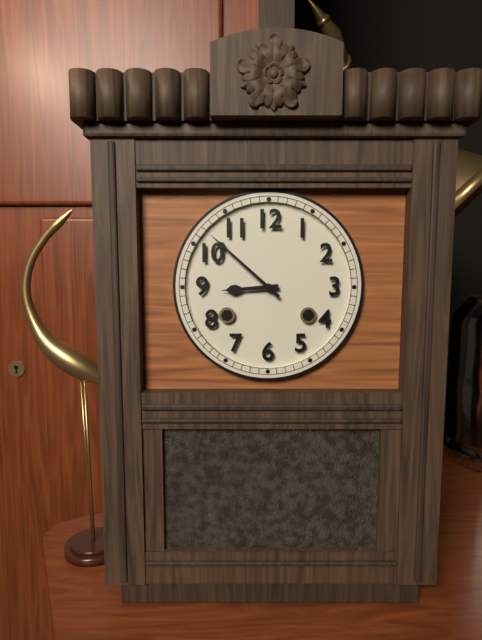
h=8 m=52
